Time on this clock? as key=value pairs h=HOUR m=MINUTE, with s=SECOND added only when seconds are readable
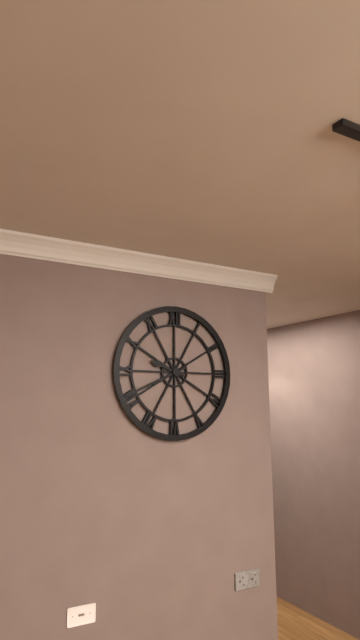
h=9 m=41
